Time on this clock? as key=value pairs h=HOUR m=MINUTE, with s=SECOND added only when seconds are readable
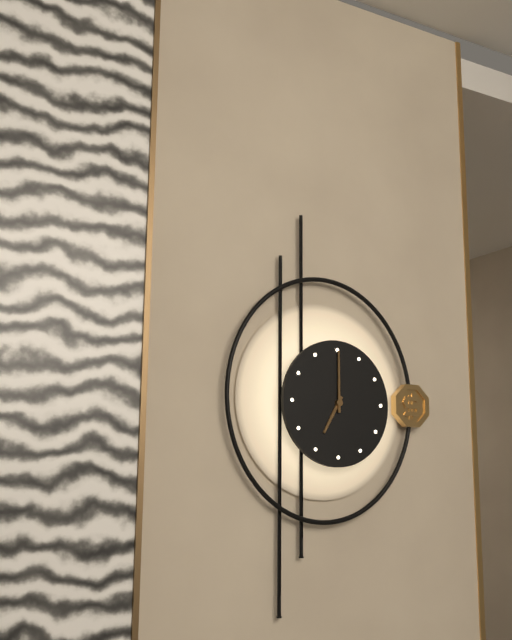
h=7 m=0
